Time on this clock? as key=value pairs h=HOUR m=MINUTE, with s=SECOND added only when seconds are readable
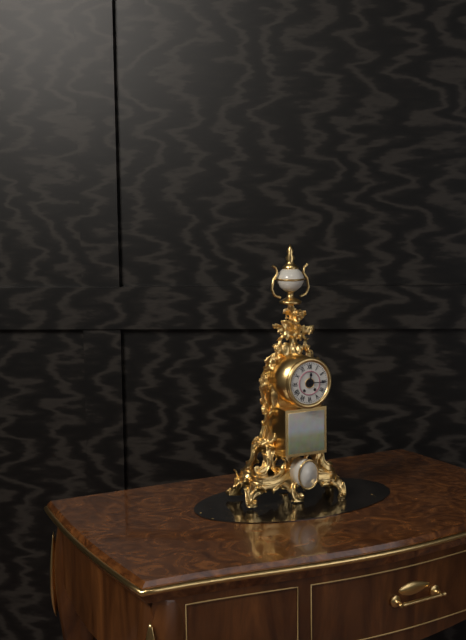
h=12 m=15
